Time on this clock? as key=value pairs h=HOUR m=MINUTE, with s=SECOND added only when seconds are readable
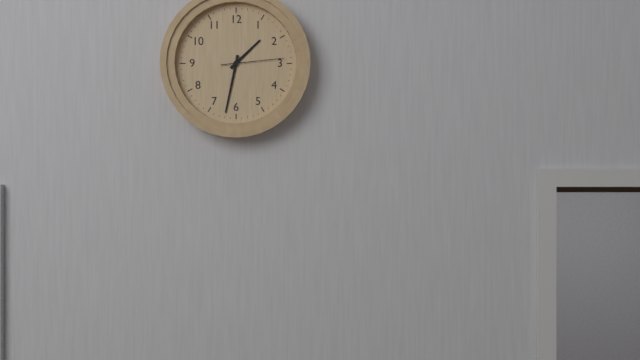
h=1 m=32 s=14
